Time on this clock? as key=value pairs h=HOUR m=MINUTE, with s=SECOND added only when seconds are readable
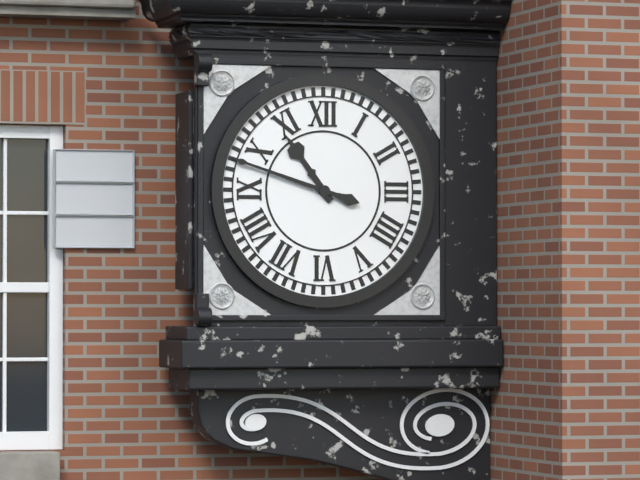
h=10 m=48
